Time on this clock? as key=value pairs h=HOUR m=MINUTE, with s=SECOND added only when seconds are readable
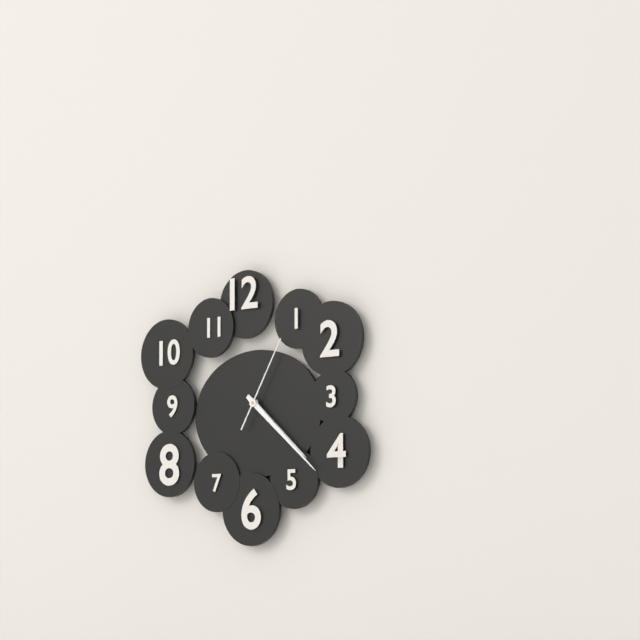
h=4 m=22 s=5
